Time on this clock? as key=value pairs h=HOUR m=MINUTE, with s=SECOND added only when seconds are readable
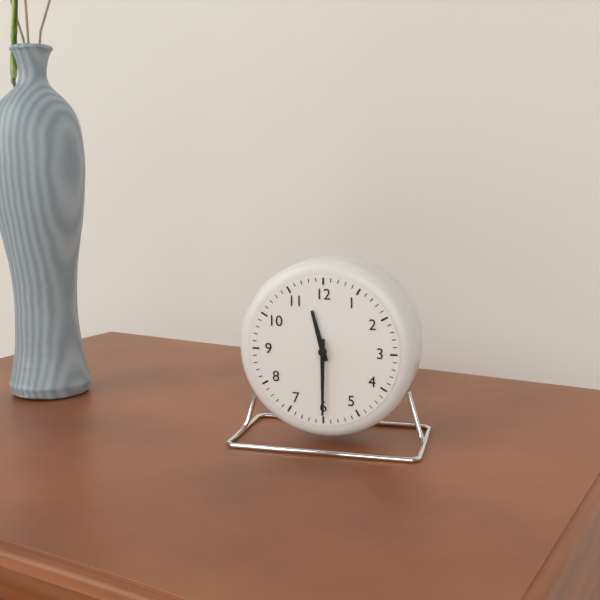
h=11 m=30
